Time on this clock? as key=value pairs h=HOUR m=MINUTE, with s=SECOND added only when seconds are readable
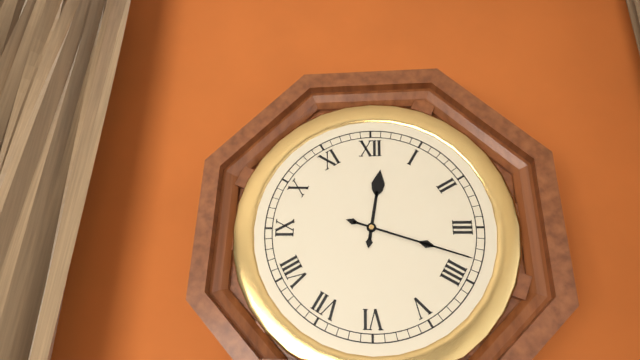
h=12 m=18
